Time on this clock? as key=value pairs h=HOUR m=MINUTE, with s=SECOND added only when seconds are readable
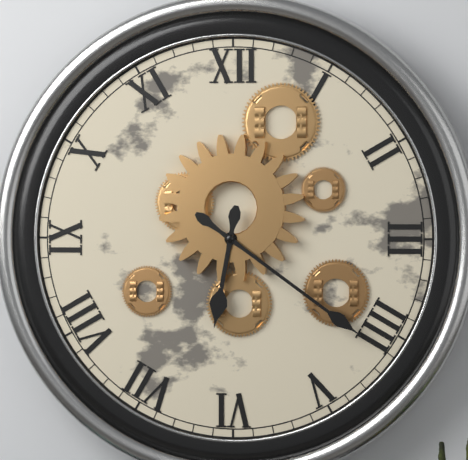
h=6 m=21
